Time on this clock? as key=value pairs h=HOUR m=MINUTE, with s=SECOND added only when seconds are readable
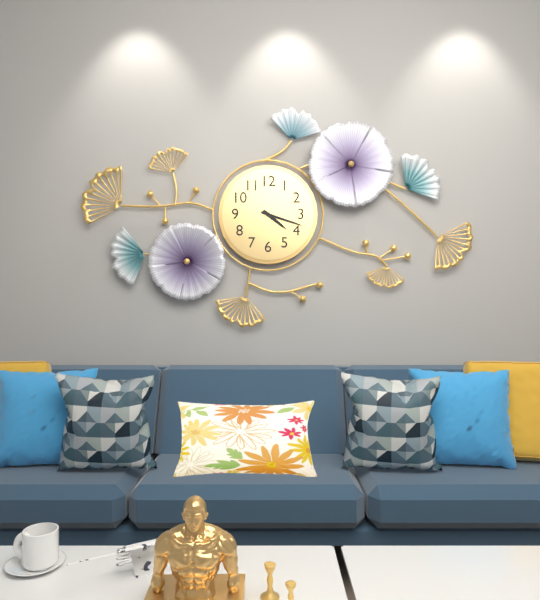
h=4 m=18
